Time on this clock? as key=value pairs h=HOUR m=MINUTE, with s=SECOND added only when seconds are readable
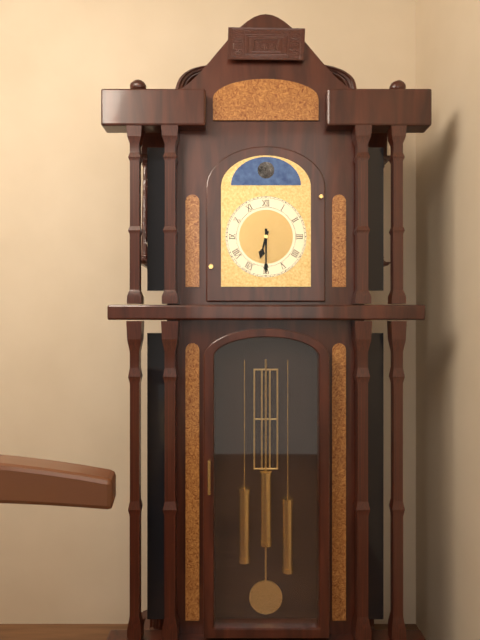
h=6 m=30
